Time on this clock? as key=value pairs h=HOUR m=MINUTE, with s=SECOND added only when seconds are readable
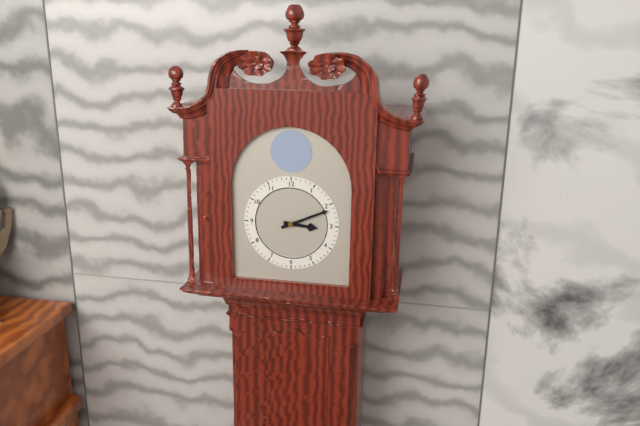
h=3 m=11
